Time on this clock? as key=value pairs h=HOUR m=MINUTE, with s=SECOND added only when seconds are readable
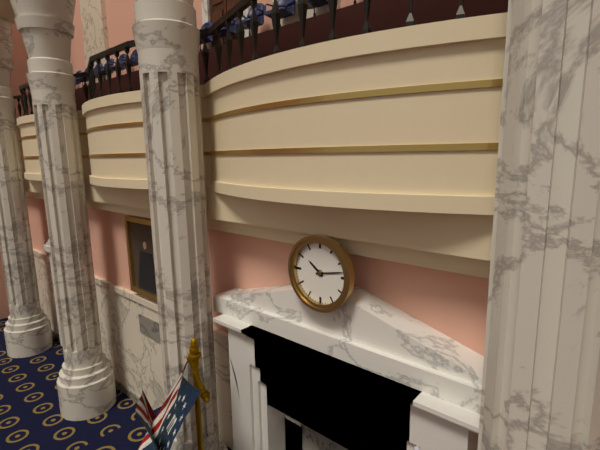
h=10 m=13
